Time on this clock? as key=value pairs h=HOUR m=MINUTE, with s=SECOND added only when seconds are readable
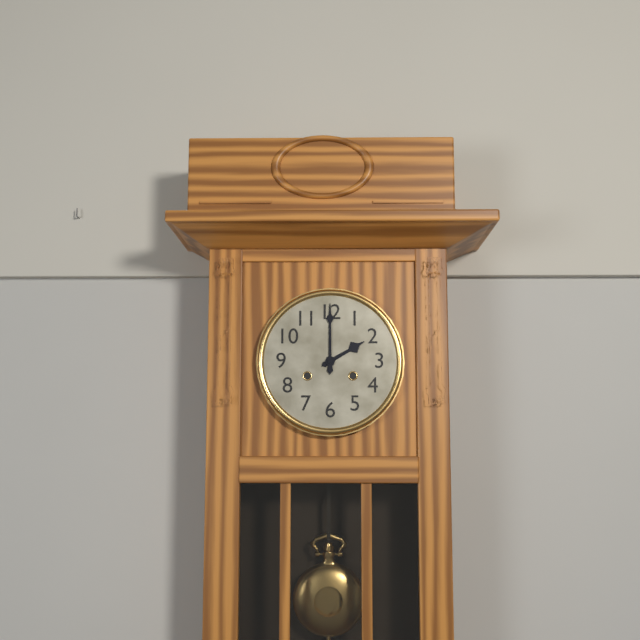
h=2 m=0
